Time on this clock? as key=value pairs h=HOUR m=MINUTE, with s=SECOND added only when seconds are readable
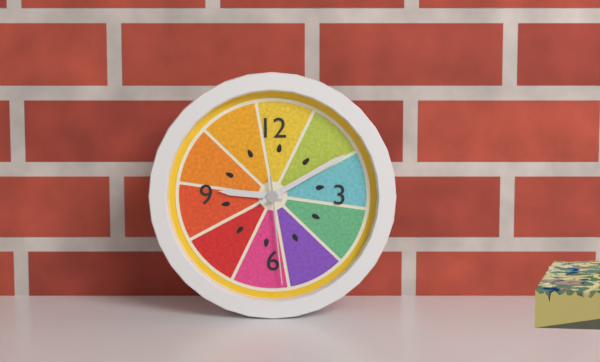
h=9 m=10 s=29
